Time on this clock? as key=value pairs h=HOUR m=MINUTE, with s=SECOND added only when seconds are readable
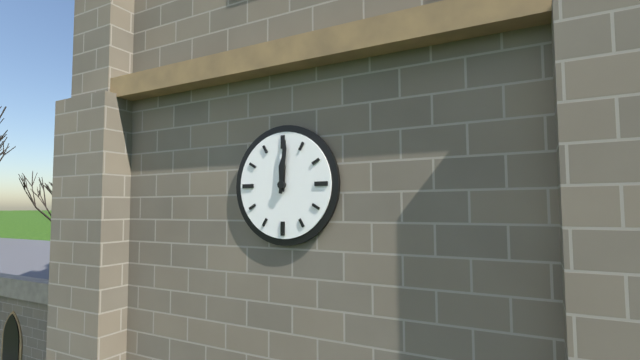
h=12 m=1
